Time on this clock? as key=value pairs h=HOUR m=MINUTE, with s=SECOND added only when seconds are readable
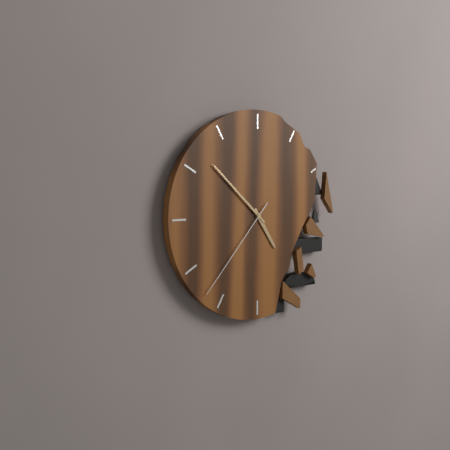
h=4 m=52 s=37
